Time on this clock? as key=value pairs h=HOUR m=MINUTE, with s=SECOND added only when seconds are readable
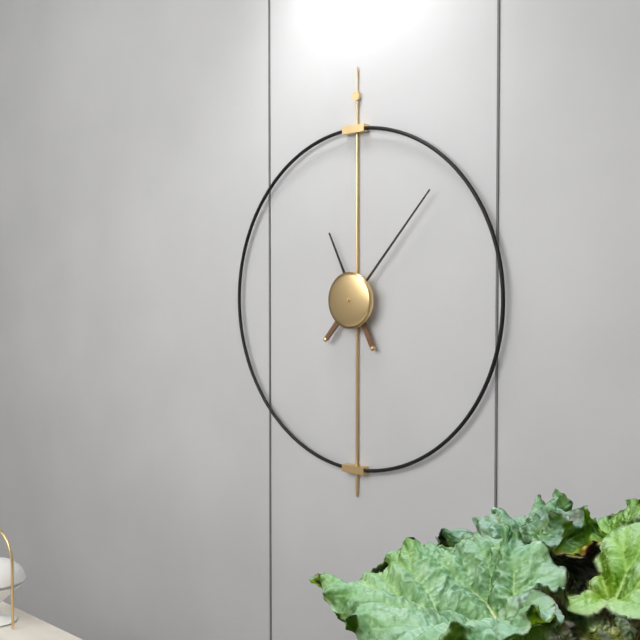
h=11 m=7
